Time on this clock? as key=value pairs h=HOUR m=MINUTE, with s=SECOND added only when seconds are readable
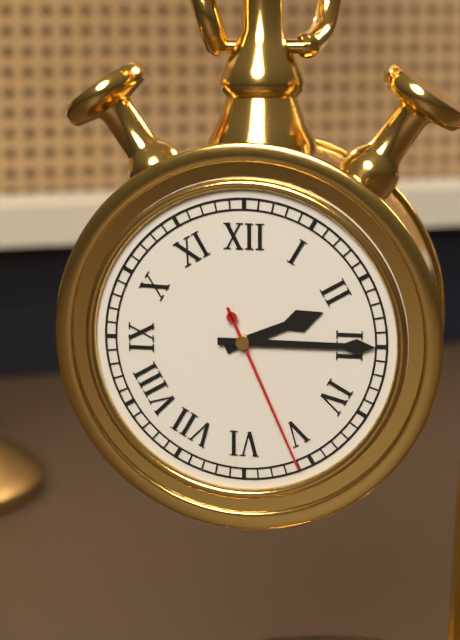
h=2 m=15 s=26
